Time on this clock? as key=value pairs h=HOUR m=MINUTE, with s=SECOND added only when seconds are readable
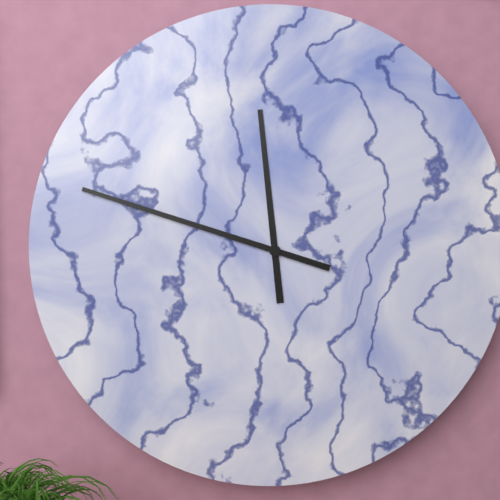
h=11 m=48
